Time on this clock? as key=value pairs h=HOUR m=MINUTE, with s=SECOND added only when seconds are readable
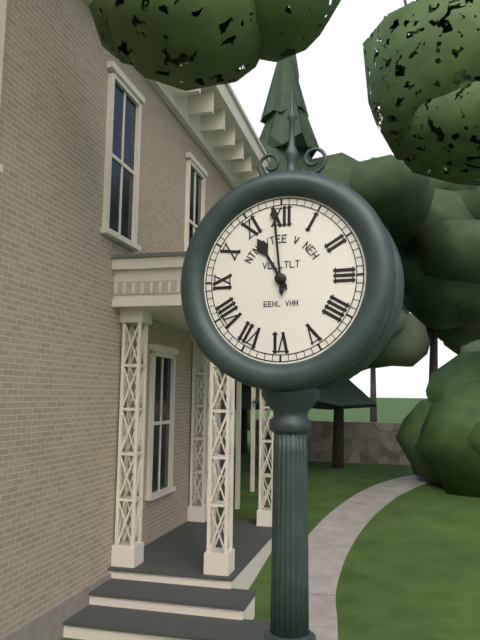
h=10 m=59
